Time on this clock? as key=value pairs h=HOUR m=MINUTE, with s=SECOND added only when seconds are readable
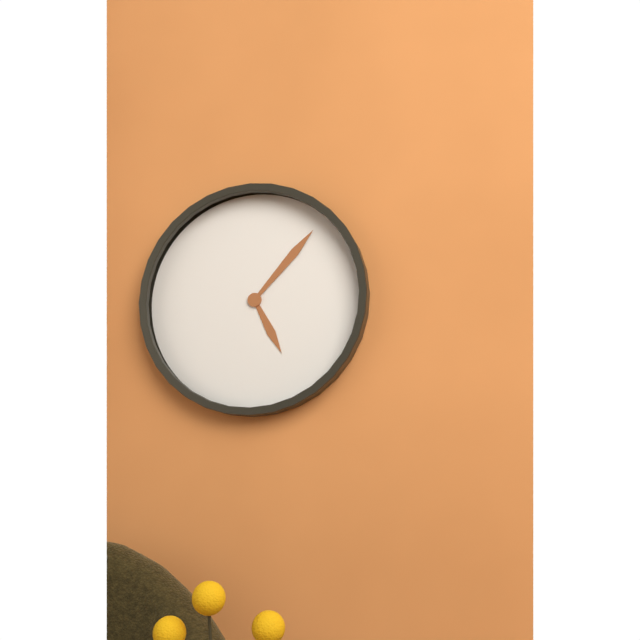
h=5 m=7
